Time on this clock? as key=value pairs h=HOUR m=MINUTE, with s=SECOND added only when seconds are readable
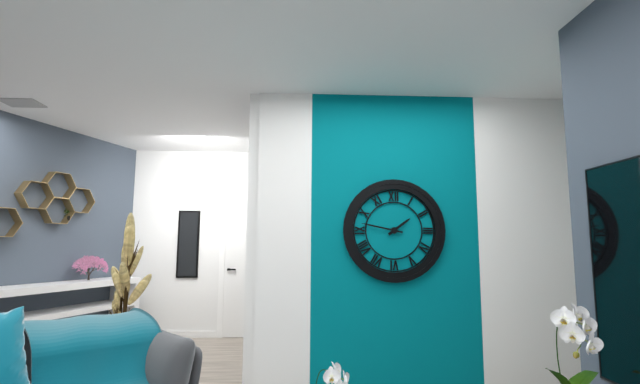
h=1 m=47
